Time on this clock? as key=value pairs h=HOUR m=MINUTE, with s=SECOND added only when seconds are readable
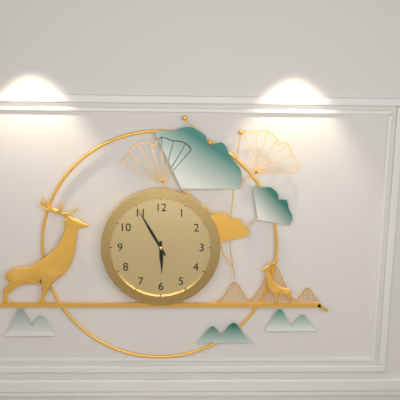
h=5 m=55
